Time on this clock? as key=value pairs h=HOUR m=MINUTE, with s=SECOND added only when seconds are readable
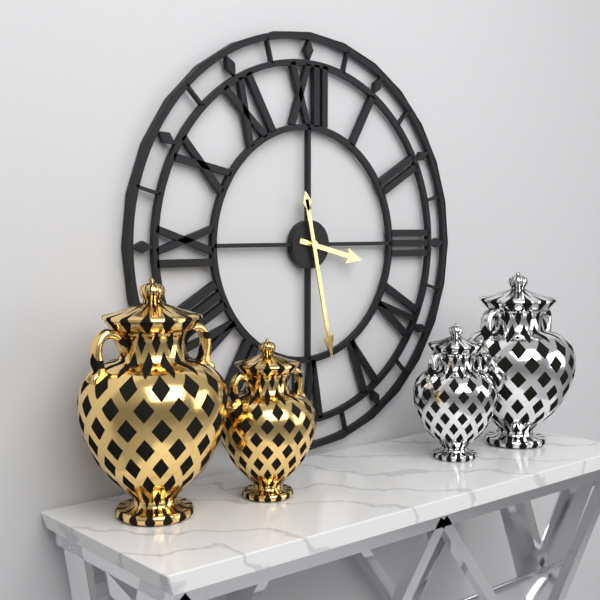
h=3 m=28
